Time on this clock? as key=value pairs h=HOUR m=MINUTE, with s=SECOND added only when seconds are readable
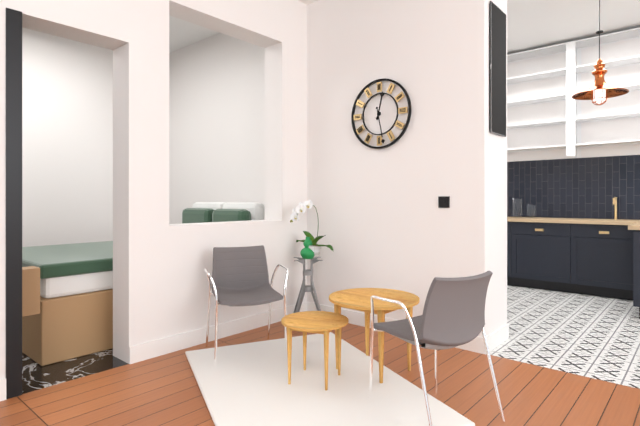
h=12 m=28
